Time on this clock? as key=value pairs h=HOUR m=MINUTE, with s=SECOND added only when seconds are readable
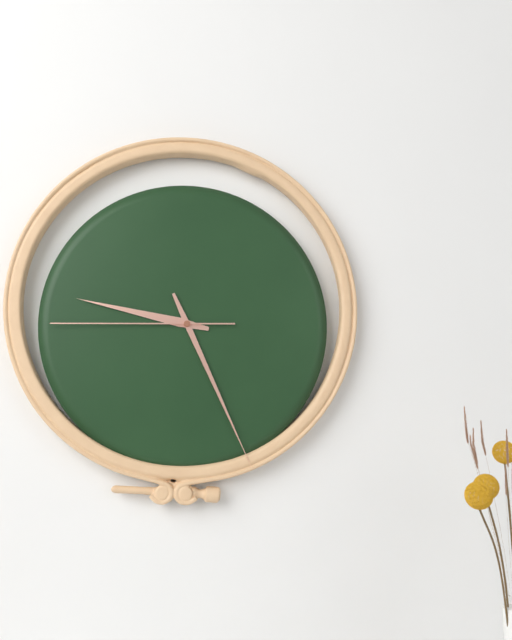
h=9 m=26 s=45
